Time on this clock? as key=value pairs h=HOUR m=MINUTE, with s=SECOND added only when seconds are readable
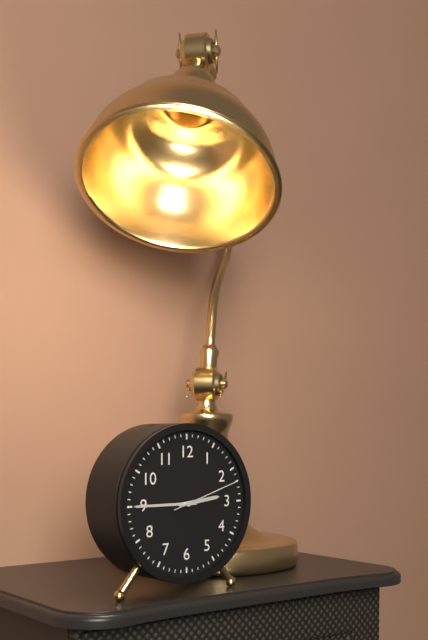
h=2 m=45 s=12
